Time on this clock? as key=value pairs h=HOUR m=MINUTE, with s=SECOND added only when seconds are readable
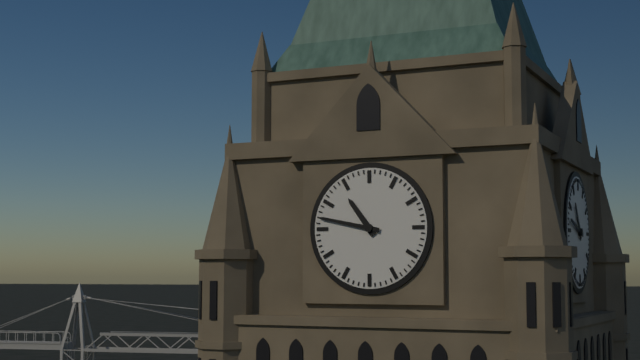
h=10 m=47
